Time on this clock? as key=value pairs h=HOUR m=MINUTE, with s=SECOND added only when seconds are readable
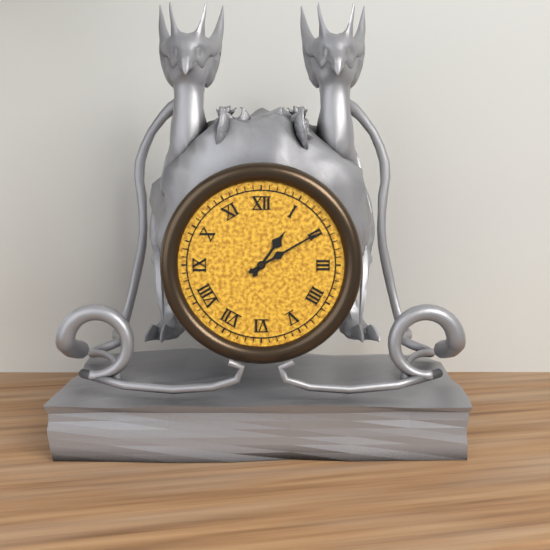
h=1 m=10
